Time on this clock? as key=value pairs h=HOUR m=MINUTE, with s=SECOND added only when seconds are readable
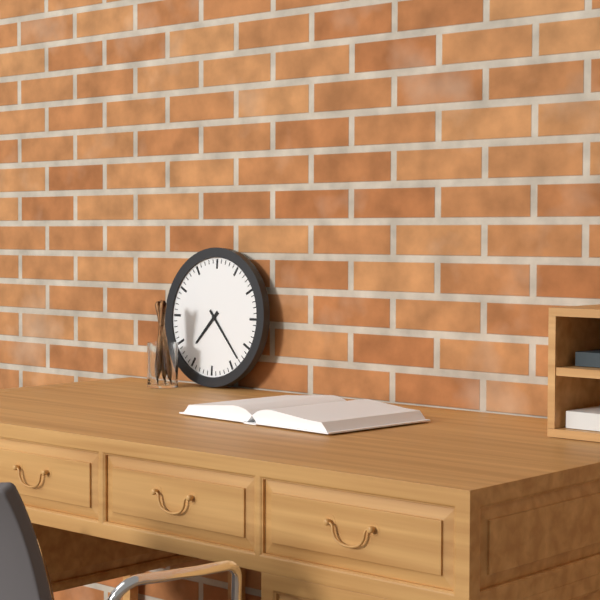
h=7 m=23
